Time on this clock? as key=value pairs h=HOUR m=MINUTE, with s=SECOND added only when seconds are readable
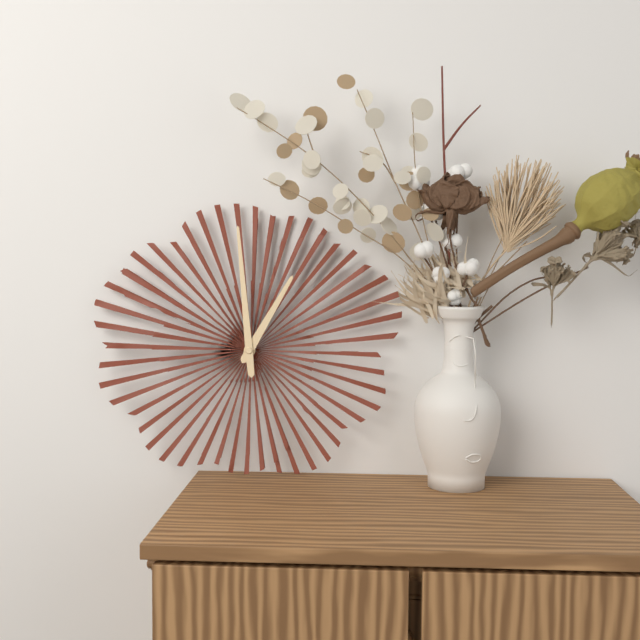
h=12 m=59
